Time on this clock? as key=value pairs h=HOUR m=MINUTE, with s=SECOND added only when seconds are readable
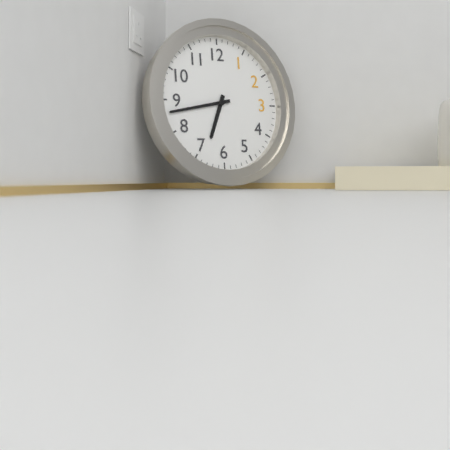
h=6 m=43
